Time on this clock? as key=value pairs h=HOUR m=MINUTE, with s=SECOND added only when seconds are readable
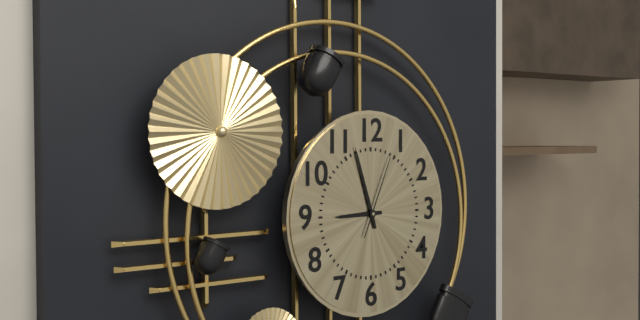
h=8 m=57 s=4
